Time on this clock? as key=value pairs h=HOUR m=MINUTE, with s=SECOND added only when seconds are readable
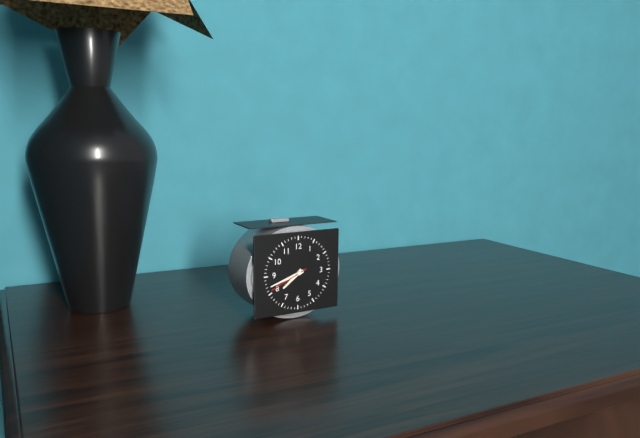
h=7 m=42
